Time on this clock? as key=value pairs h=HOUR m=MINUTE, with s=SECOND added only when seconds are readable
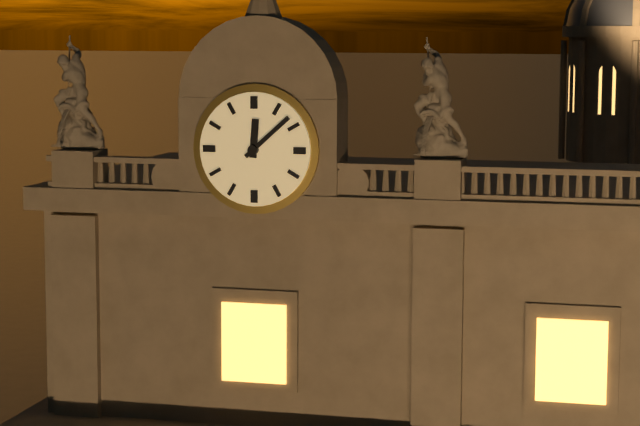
h=12 m=8
